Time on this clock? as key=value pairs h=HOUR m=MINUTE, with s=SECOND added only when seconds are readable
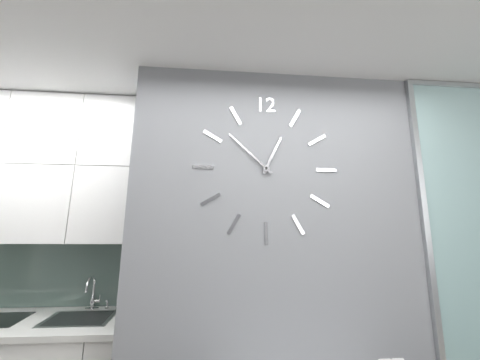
h=12 m=52
